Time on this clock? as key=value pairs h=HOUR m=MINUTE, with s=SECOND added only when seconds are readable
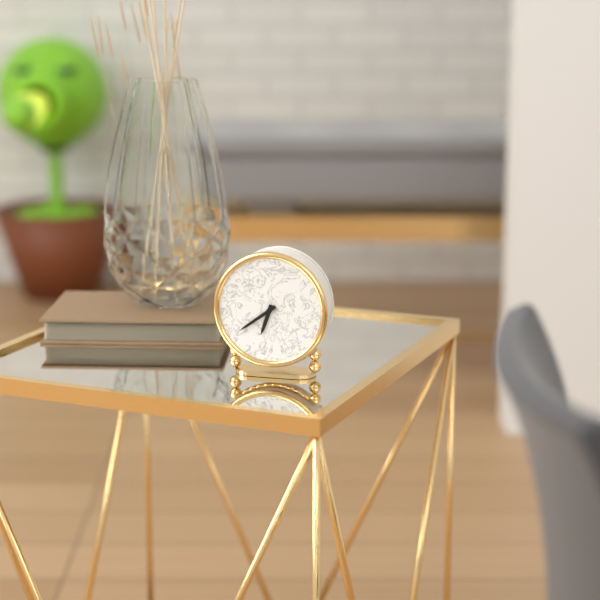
h=6 m=39
